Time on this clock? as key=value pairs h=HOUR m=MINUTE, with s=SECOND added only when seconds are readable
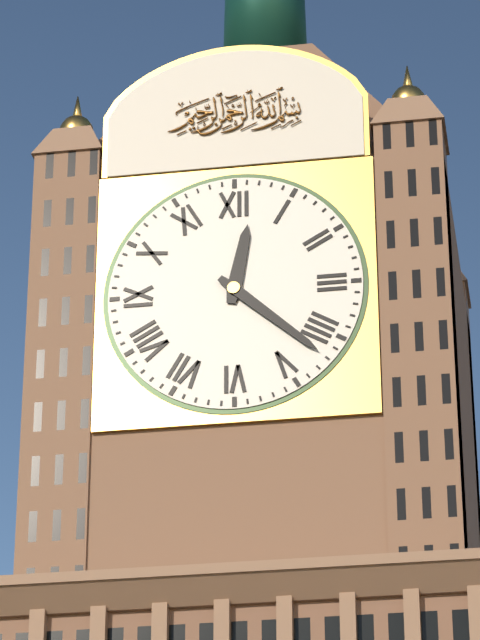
h=12 m=22
